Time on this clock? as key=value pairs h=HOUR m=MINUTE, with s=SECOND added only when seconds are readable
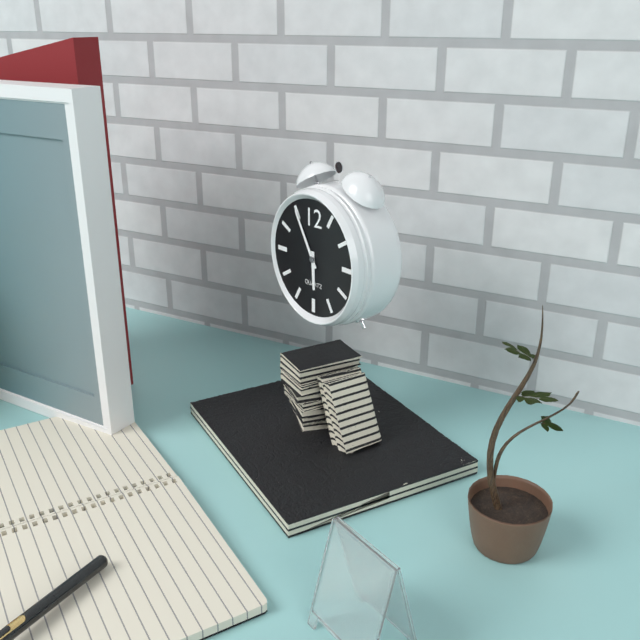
h=5 m=55
